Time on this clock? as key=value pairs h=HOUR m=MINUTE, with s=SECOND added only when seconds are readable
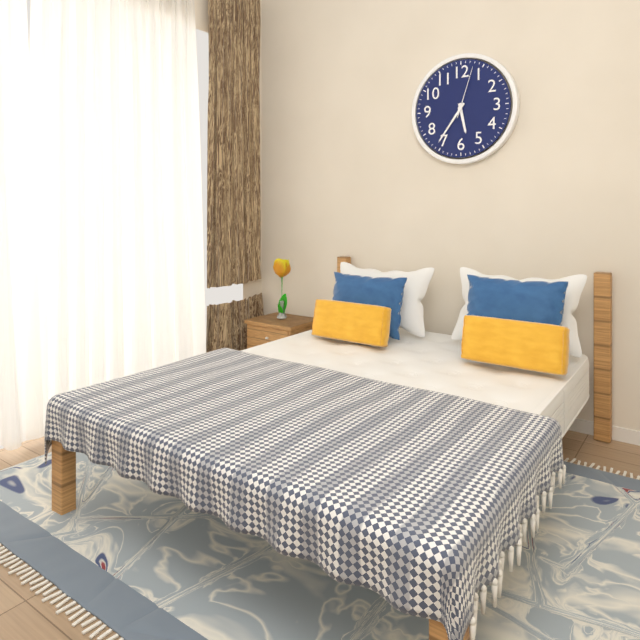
h=5 m=36 s=3
